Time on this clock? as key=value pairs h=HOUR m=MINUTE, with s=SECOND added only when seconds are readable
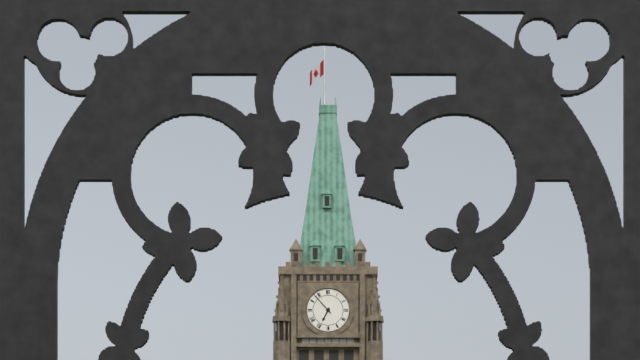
h=6 m=53
